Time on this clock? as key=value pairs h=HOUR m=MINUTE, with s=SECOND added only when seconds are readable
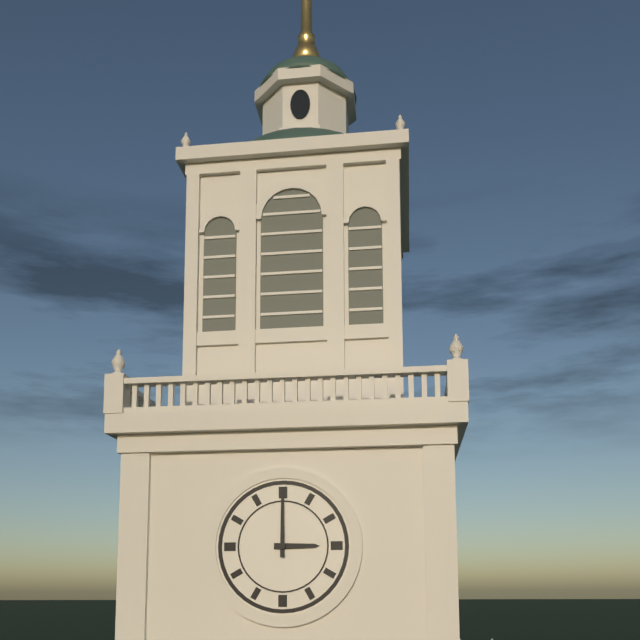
h=3 m=0
